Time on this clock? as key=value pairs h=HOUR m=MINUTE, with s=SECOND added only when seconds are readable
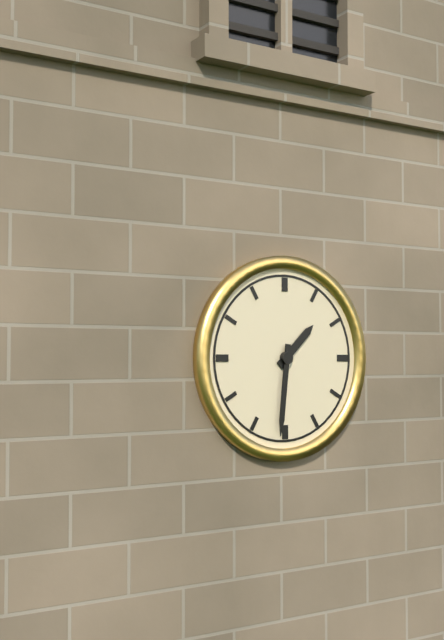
h=1 m=31
